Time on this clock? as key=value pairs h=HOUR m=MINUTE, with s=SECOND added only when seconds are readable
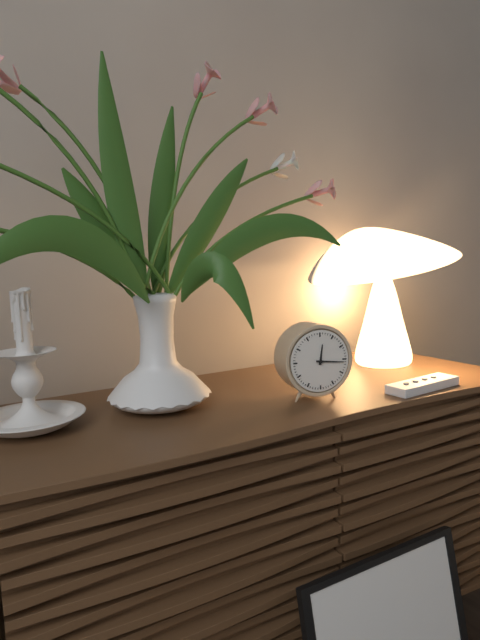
h=12 m=16
